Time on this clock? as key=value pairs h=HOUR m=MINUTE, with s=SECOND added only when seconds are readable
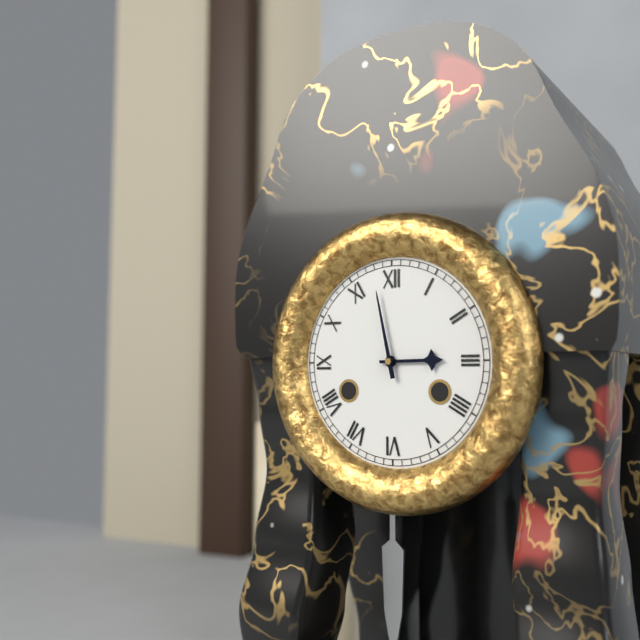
h=2 m=58
